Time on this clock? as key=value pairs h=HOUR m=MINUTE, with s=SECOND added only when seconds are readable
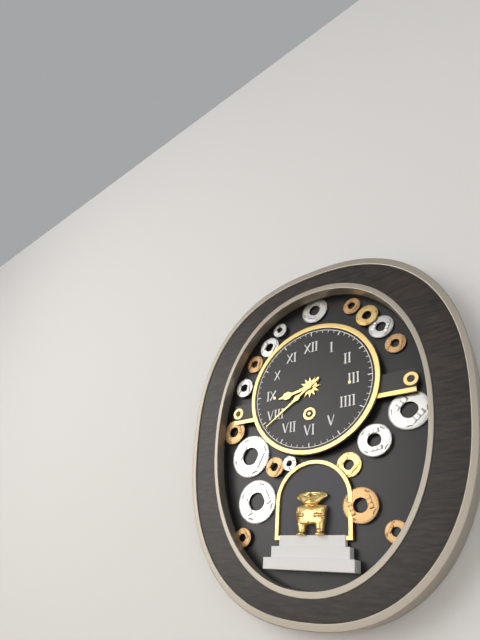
h=8 m=39
